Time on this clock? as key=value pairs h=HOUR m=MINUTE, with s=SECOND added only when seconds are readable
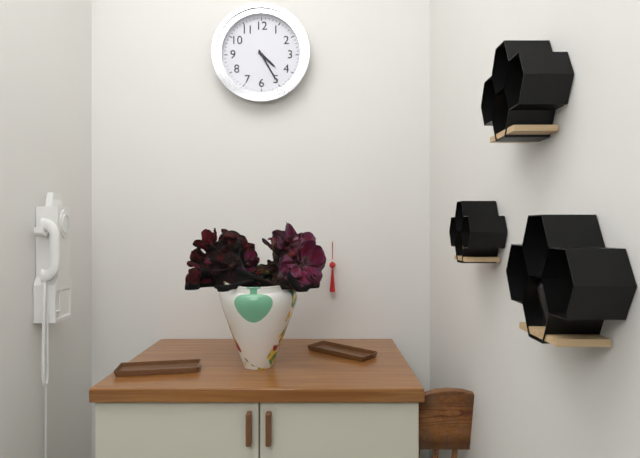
h=4 m=25
